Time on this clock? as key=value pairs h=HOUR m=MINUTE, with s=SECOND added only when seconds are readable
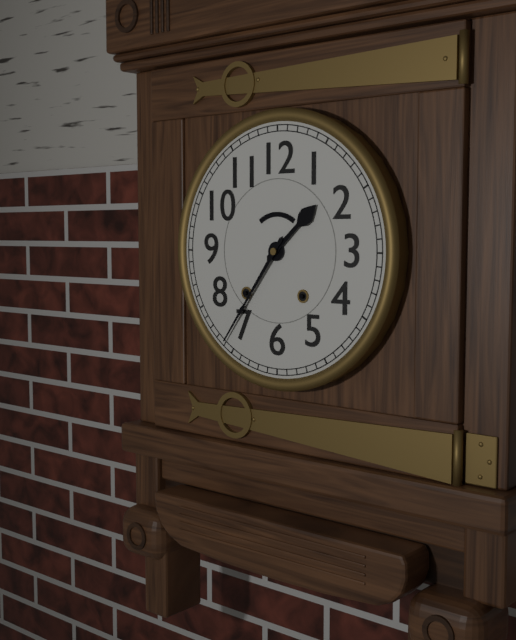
h=1 m=36
